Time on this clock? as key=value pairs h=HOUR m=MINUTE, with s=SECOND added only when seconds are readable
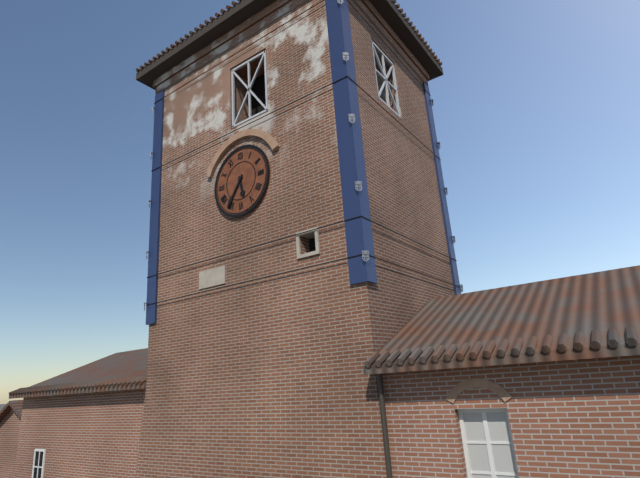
h=5 m=36
